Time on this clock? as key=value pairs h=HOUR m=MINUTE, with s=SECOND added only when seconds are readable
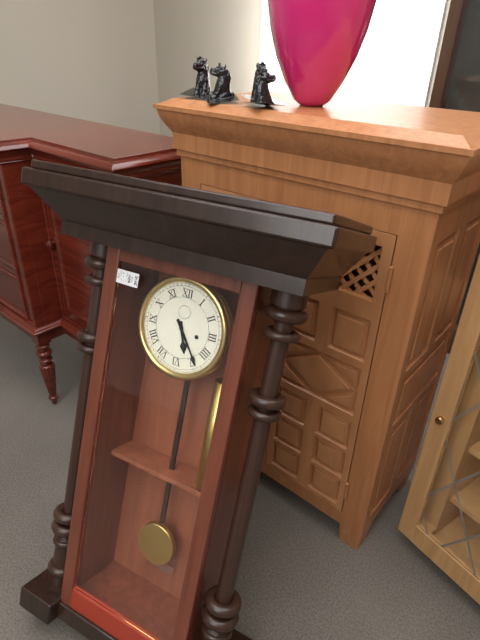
h=5 m=24
